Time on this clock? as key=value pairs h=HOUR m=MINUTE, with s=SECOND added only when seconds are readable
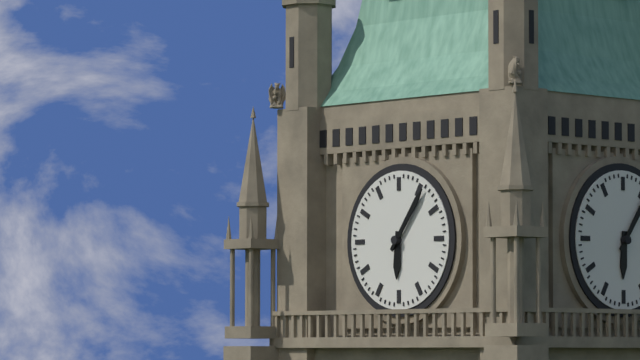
h=6 m=6
